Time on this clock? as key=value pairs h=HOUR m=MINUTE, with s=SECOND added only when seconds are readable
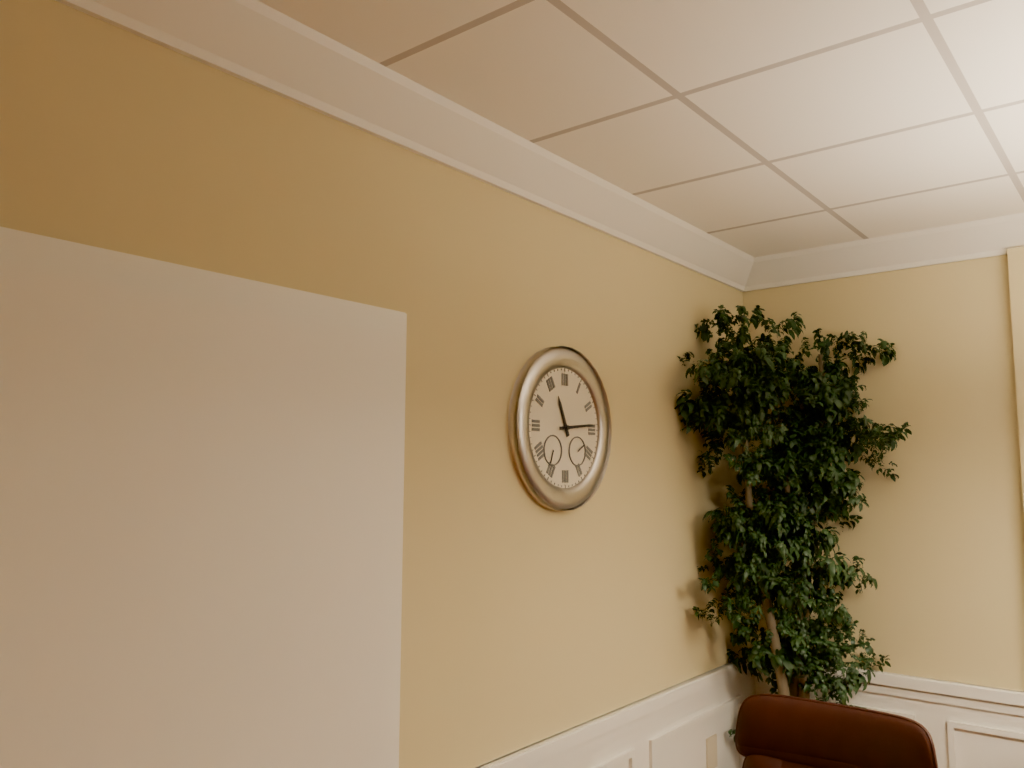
h=11 m=14
